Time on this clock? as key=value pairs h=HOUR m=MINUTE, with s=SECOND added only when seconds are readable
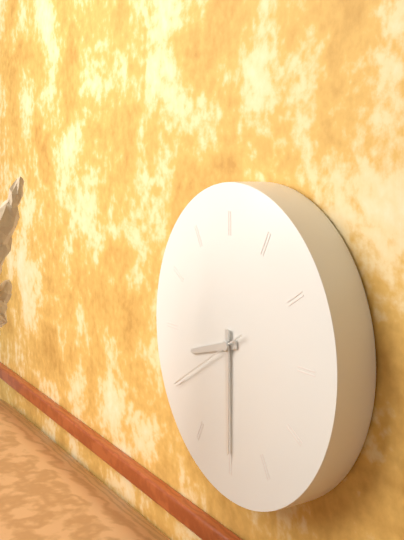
h=8 m=30 s=40
